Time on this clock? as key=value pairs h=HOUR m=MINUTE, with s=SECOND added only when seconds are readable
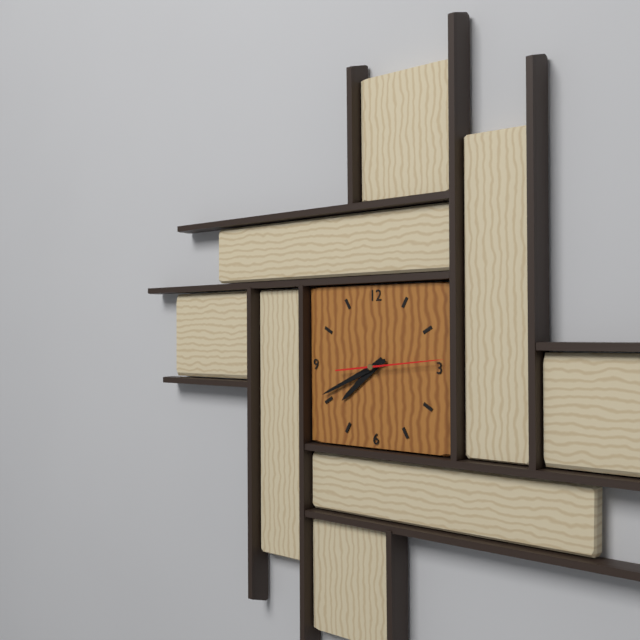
h=7 m=41 s=14
